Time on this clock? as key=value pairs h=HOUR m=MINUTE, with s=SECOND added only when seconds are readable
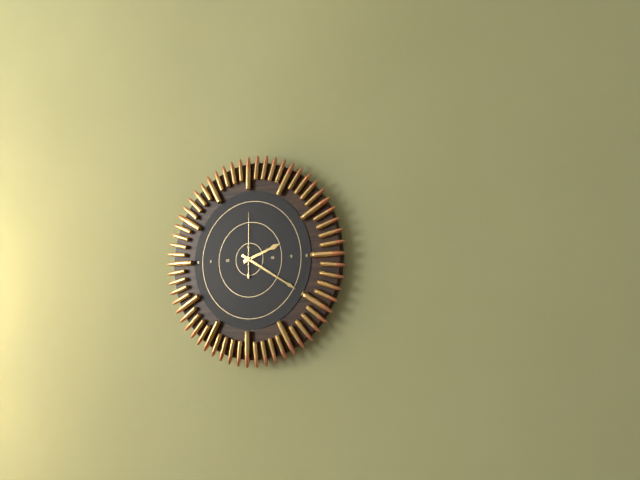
h=2 m=20 s=0
